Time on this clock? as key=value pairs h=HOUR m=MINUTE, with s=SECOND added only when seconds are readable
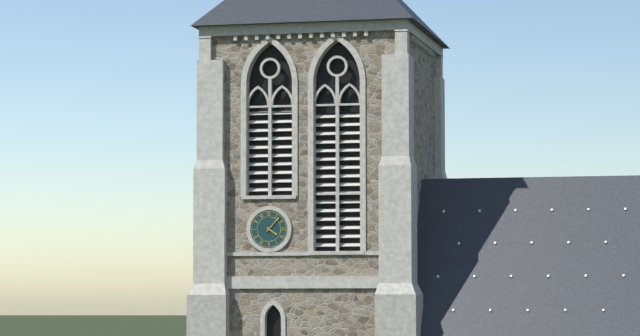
h=4 m=7
